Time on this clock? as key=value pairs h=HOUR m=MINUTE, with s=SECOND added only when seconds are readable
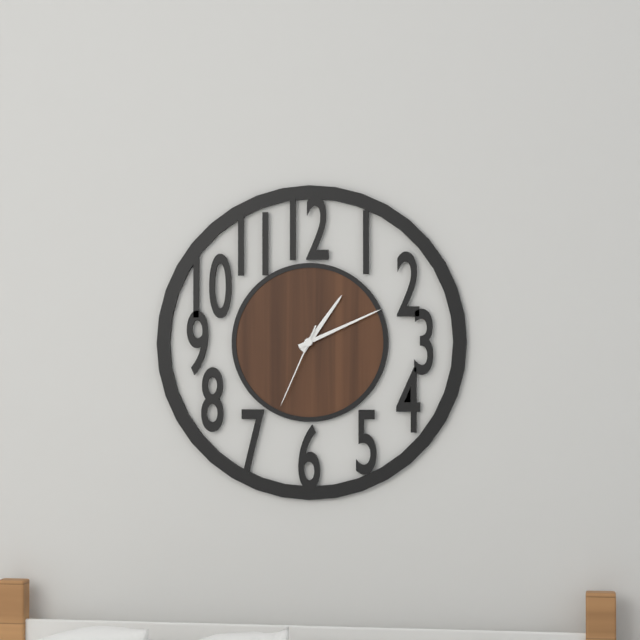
h=1 m=11 s=34
